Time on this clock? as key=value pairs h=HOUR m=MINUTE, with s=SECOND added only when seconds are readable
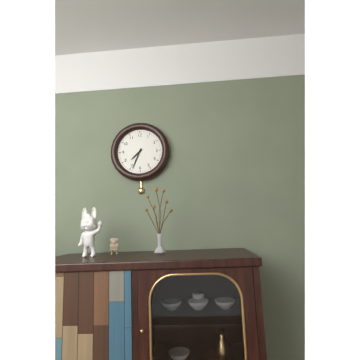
h=7 m=34
